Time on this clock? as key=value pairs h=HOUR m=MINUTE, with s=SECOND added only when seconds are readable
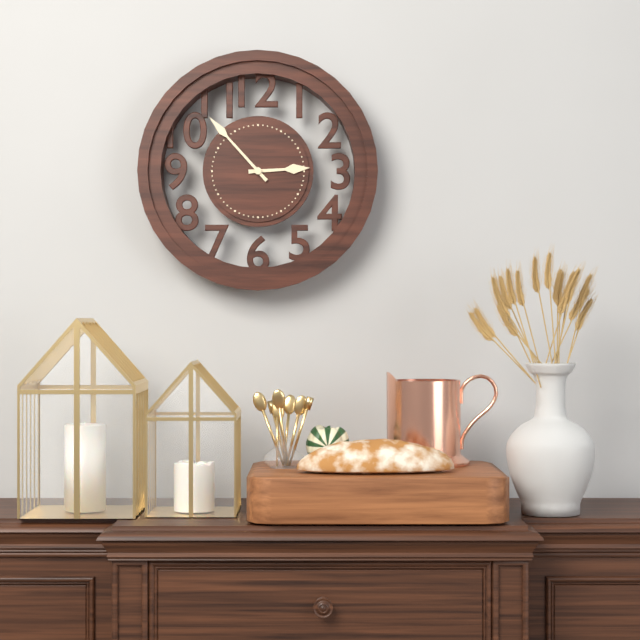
h=2 m=53
